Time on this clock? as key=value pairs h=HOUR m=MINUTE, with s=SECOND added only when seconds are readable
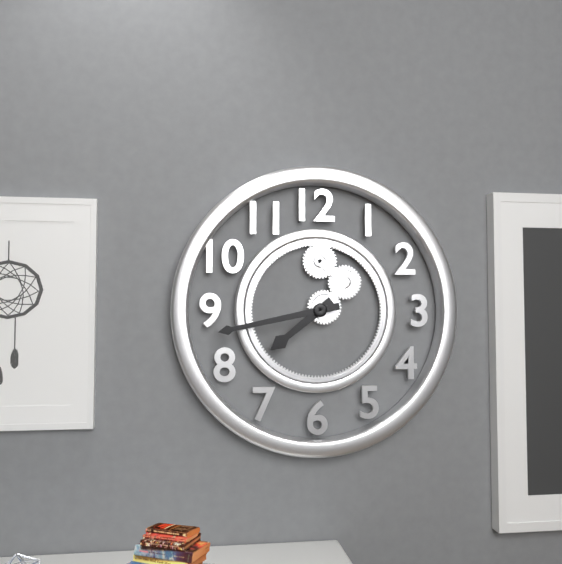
h=7 m=43
